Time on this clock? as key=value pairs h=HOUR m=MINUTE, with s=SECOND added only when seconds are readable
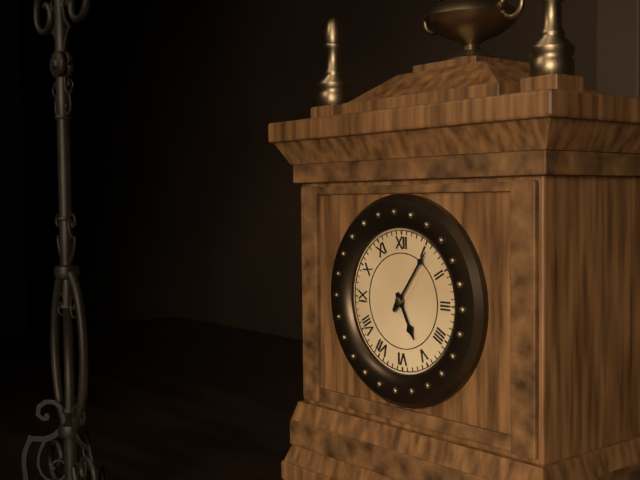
h=5 m=6
